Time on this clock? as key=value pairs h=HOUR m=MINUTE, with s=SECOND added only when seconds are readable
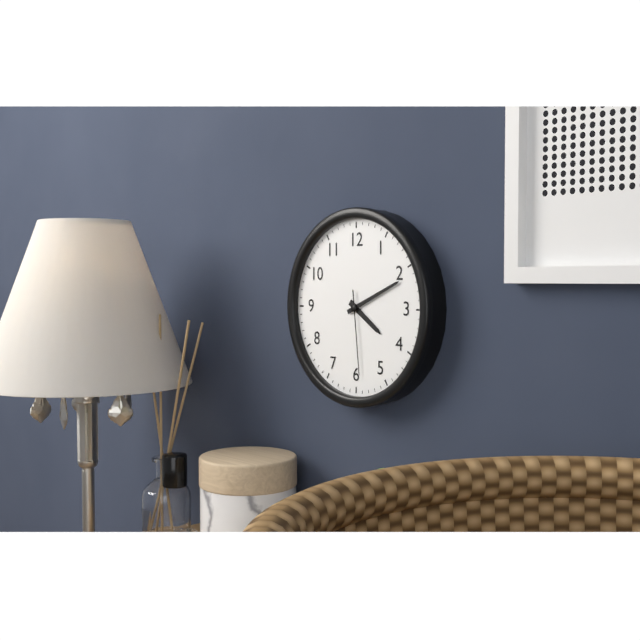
h=4 m=11 s=29
